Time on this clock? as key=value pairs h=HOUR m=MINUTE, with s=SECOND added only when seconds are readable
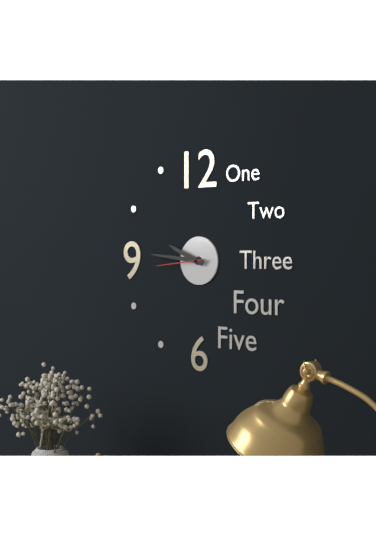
h=9 m=46 s=44
